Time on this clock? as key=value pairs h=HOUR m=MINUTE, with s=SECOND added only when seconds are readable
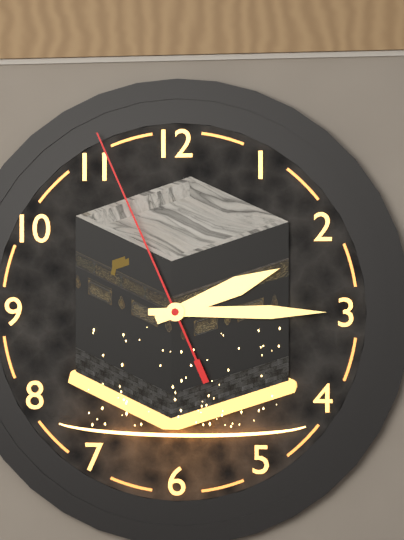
h=2 m=15 s=56
